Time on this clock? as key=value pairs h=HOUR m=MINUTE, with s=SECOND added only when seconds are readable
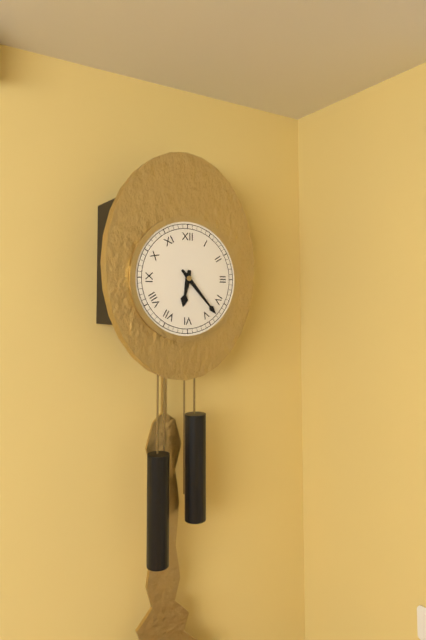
h=6 m=23
